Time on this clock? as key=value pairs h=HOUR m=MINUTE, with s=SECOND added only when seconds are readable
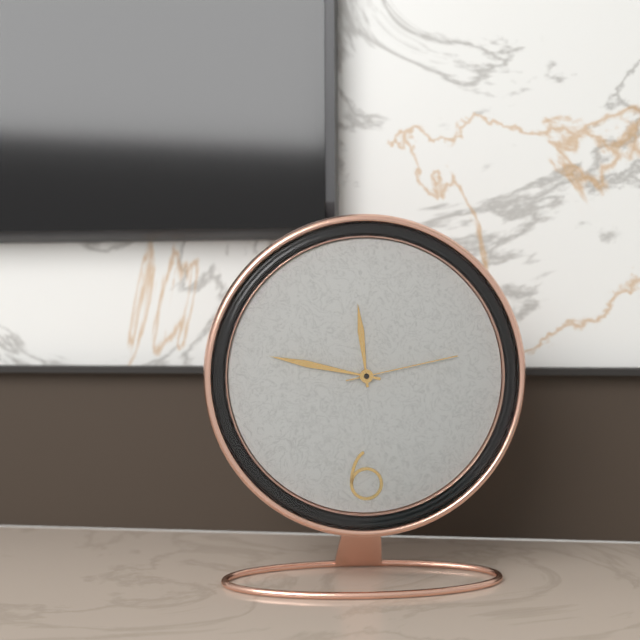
h=11 m=47 s=13
